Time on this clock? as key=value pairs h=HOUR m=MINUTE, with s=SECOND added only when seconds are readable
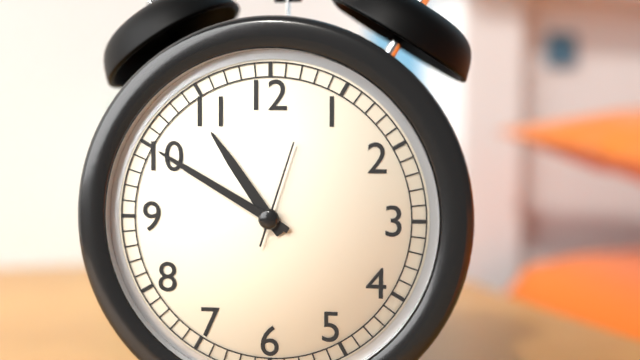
h=10 m=50 s=3
